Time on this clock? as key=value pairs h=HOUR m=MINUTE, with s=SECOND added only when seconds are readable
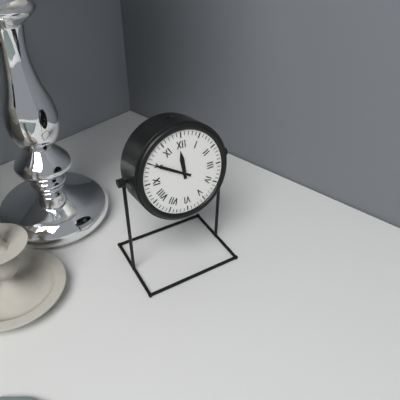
h=11 m=50
